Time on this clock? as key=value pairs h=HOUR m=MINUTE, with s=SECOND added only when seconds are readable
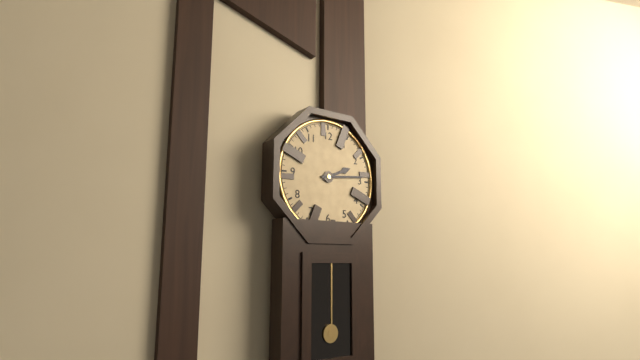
h=2 m=14
